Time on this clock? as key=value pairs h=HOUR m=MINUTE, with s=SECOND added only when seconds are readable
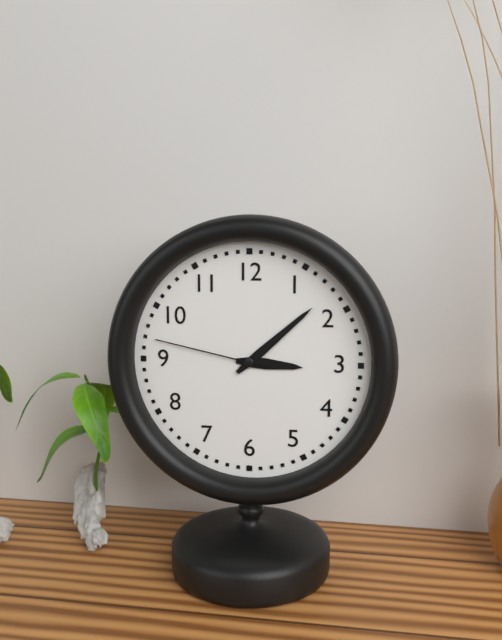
h=3 m=8 s=47
